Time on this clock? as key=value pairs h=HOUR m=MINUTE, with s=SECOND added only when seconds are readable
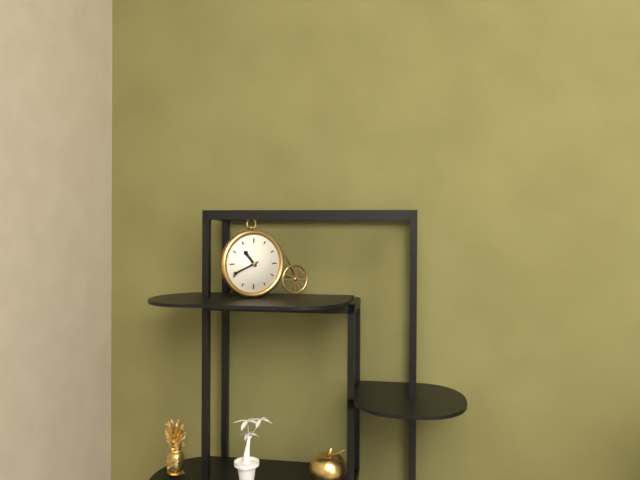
h=10 m=41
